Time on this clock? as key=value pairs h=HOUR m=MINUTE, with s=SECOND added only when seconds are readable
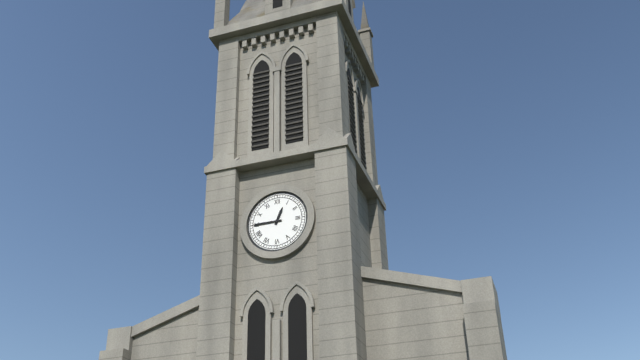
h=12 m=45
